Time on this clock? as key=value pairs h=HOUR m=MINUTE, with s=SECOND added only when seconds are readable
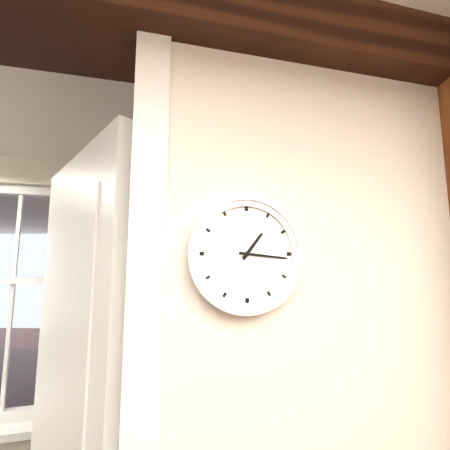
h=1 m=16
